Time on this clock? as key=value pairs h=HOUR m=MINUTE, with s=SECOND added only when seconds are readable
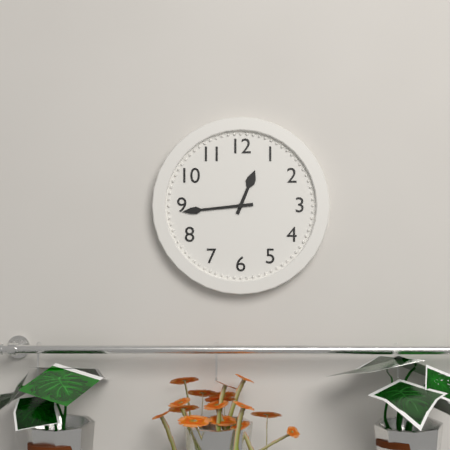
h=12 m=44
